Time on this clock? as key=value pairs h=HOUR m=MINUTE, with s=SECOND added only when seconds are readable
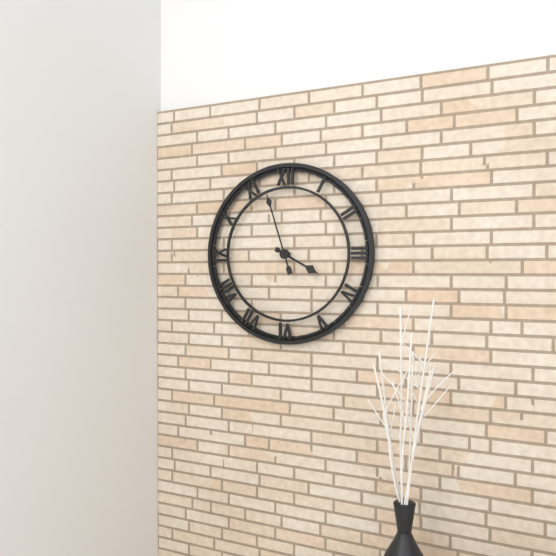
h=3 m=57
